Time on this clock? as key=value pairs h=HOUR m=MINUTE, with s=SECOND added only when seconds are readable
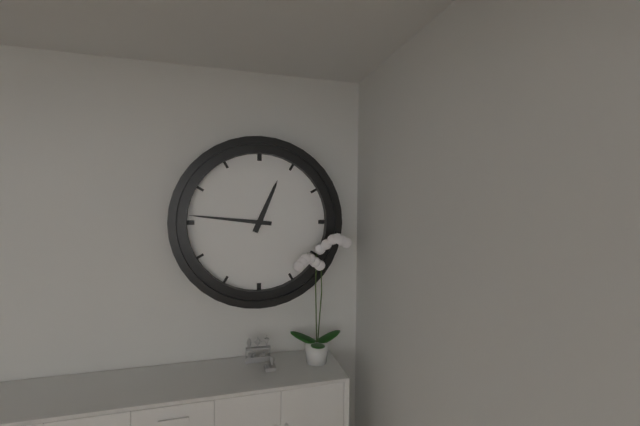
h=12 m=46
